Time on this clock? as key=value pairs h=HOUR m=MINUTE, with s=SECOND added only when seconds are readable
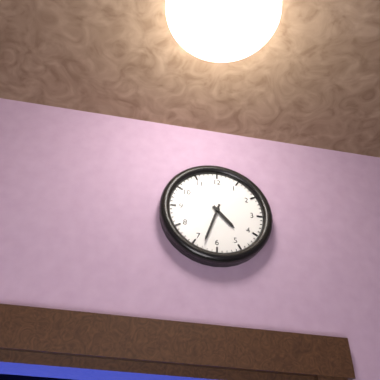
h=4 m=33
